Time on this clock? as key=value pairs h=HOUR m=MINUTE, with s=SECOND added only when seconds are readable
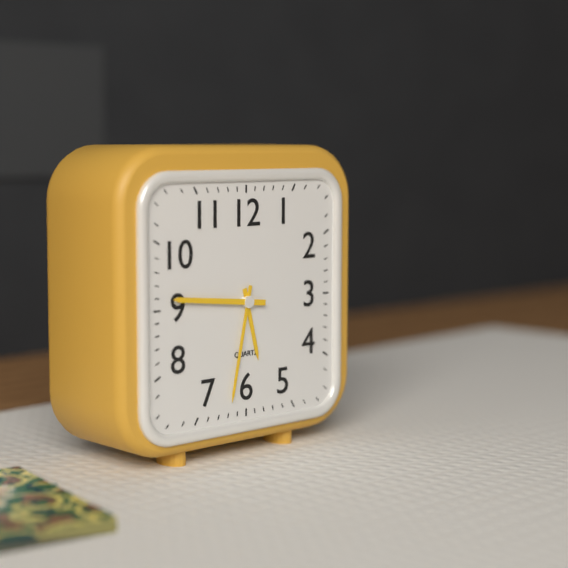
h=5 m=32 s=46
